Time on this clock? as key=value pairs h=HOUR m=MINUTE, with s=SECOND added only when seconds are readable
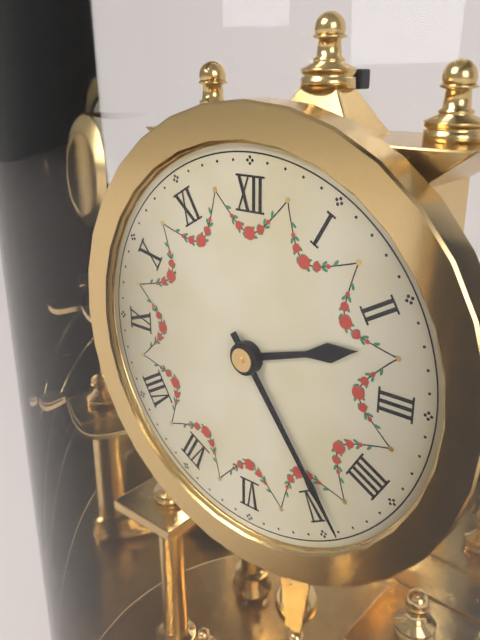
h=2 m=24
